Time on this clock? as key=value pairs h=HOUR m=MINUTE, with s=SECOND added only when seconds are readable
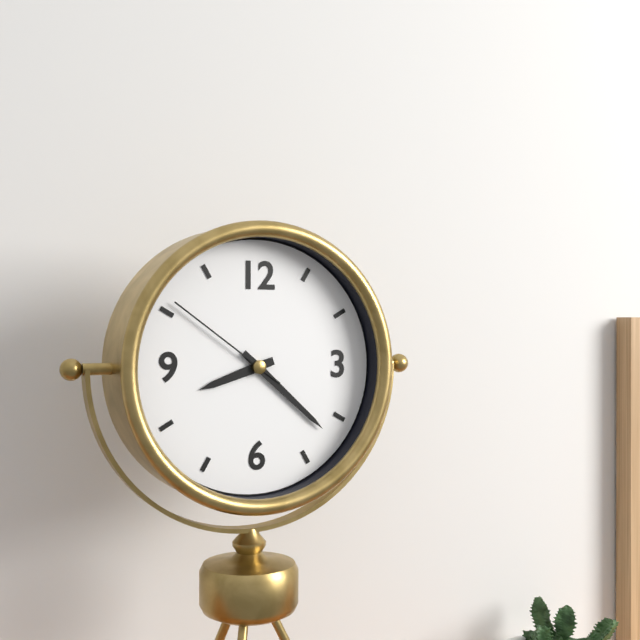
h=8 m=22 s=51
